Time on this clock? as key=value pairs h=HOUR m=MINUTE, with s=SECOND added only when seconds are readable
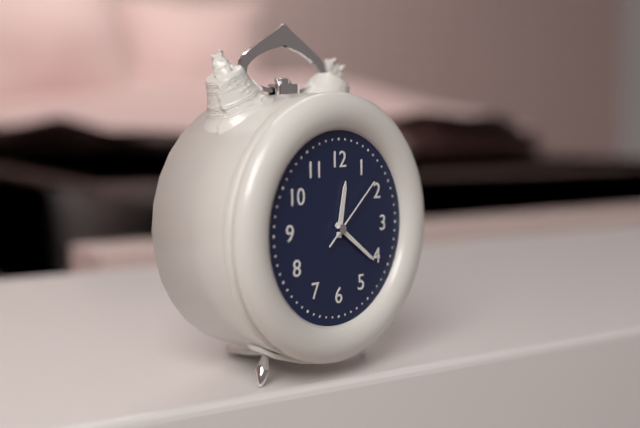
h=12 m=21 s=8
